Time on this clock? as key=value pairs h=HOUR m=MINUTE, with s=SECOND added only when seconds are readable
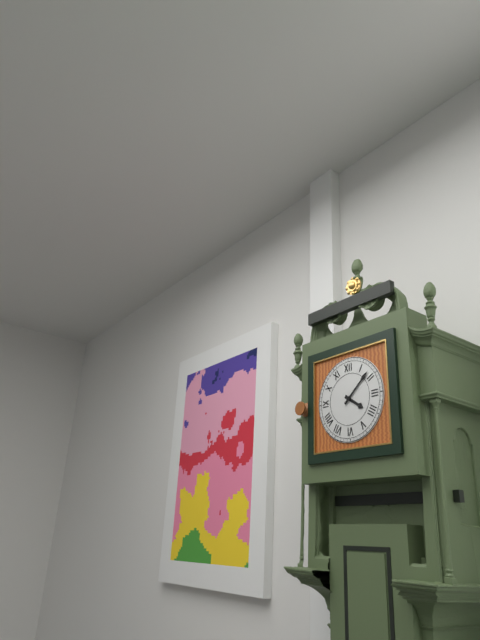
h=4 m=8
